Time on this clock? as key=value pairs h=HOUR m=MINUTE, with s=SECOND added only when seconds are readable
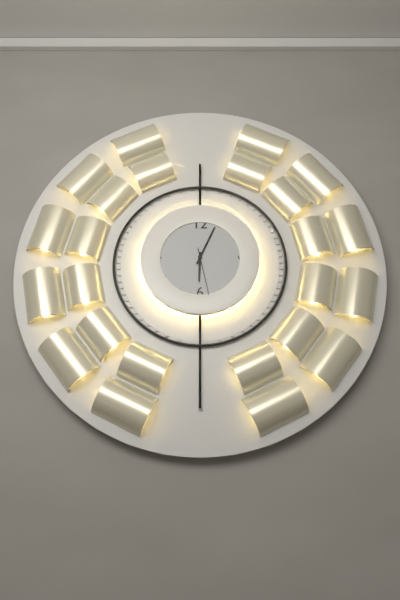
h=6 m=4
